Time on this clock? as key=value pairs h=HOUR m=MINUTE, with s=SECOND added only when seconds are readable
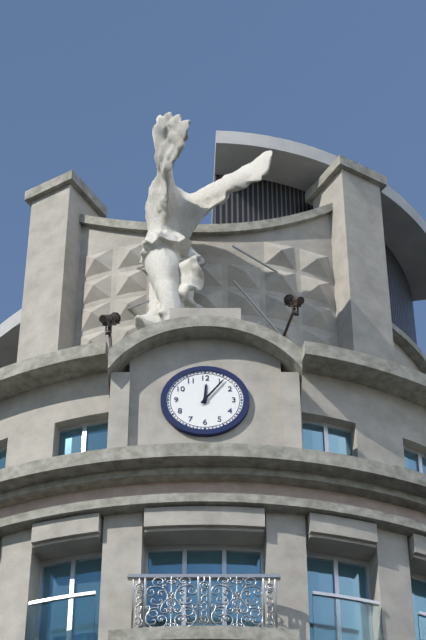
h=12 m=6
